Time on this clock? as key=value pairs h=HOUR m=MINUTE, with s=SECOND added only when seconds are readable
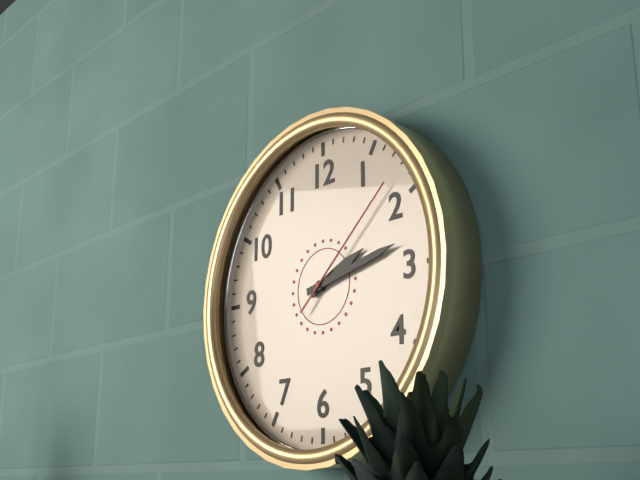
h=2 m=13 s=8
